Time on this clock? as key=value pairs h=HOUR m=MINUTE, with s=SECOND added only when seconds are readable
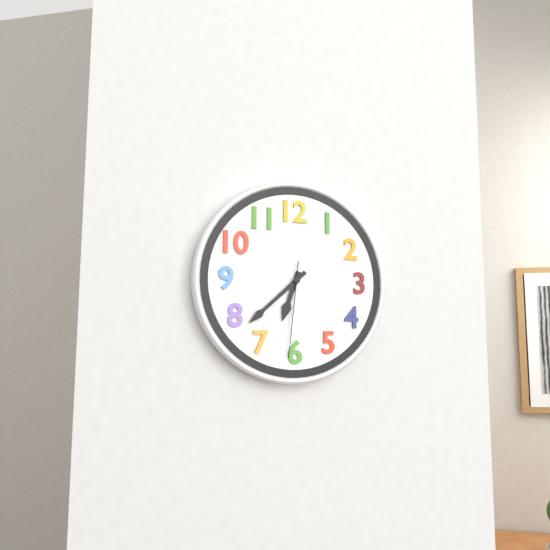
h=6 m=38 s=31
